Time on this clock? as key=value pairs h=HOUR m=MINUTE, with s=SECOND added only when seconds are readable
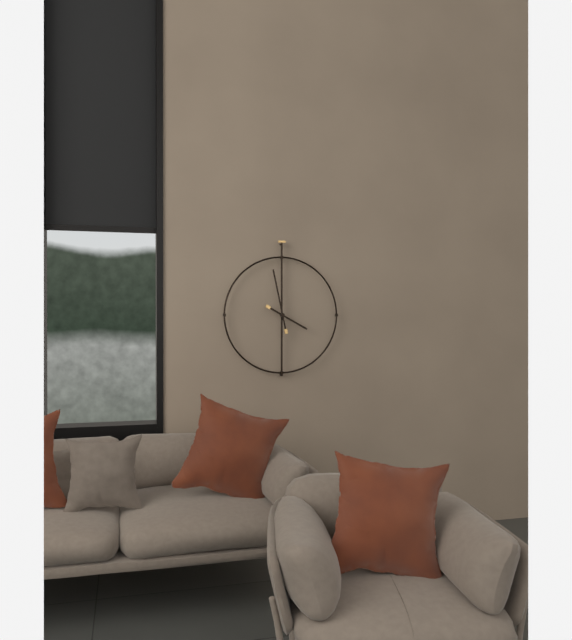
h=3 m=58
